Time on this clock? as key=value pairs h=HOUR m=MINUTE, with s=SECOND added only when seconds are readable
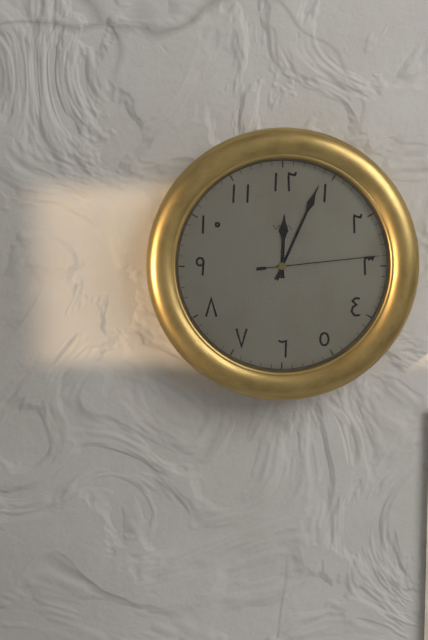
h=12 m=4 s=14
